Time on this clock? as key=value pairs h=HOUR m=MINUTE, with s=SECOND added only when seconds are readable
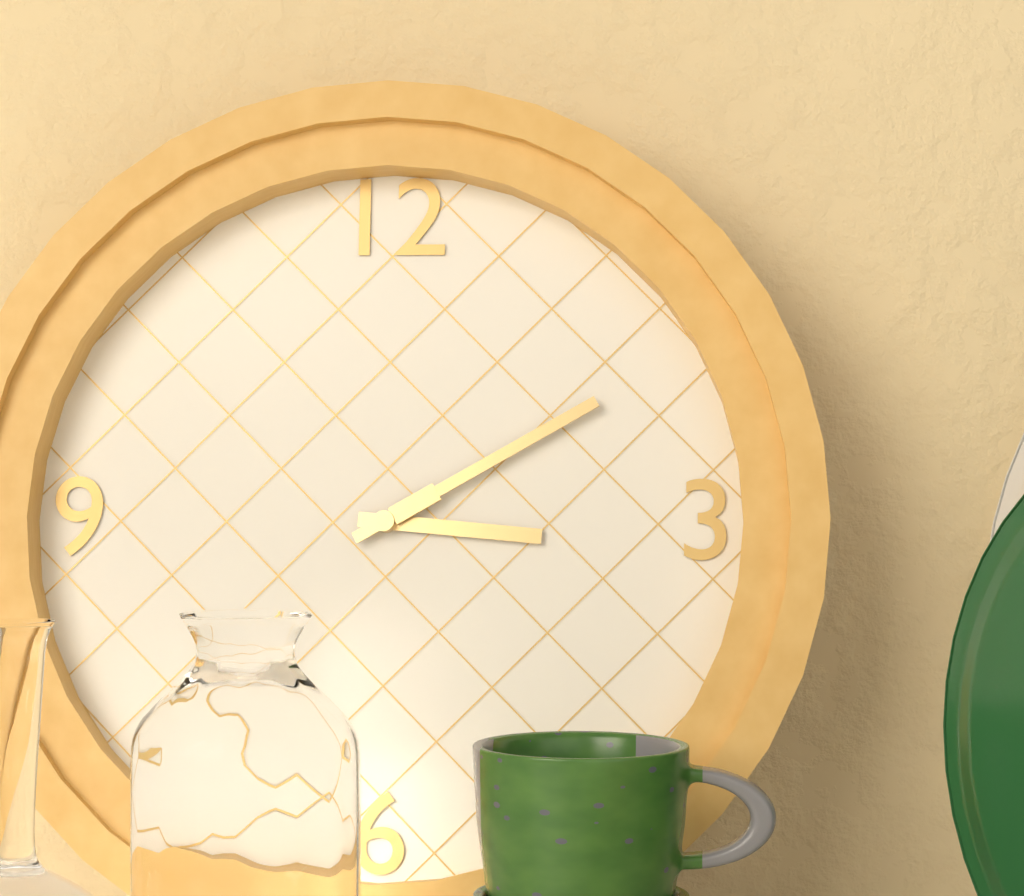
h=3 m=10
